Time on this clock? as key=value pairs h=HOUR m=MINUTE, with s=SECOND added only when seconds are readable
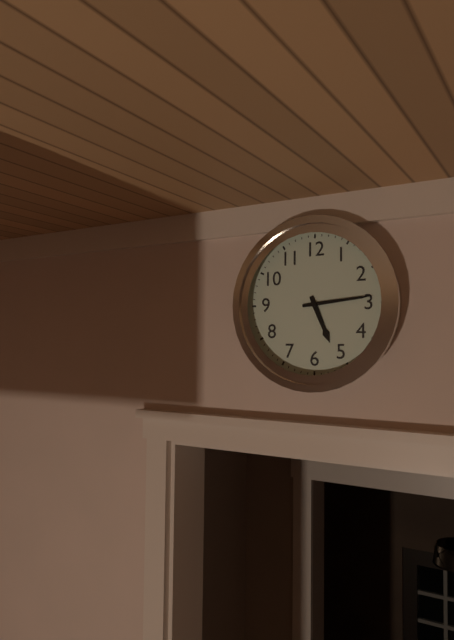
h=5 m=14
